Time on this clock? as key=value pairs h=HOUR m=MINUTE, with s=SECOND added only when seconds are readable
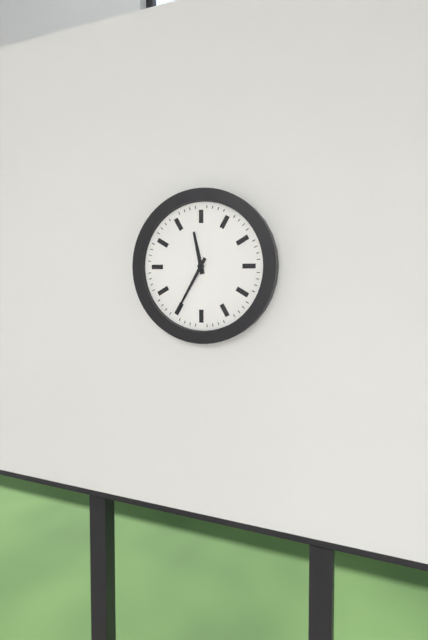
h=11 m=35
